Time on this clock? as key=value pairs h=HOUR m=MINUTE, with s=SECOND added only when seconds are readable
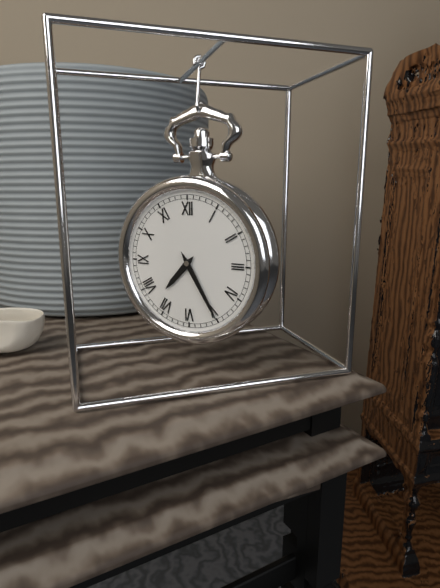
h=7 m=25
